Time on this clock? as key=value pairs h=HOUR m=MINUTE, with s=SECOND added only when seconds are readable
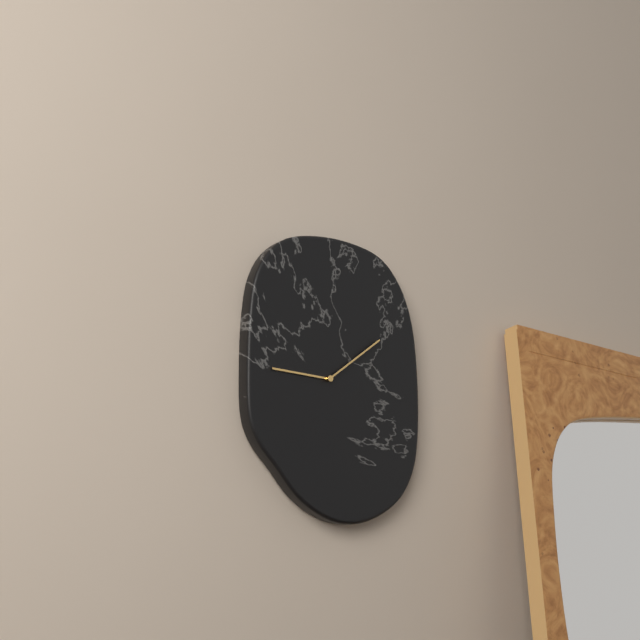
h=9 m=9
